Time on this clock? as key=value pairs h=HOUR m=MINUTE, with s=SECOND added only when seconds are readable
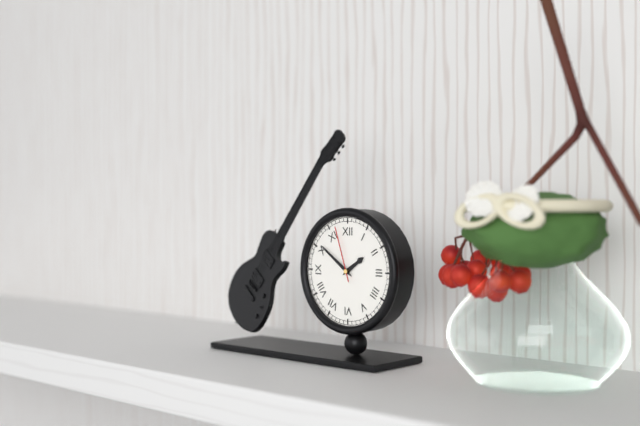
h=1 m=51 s=57
